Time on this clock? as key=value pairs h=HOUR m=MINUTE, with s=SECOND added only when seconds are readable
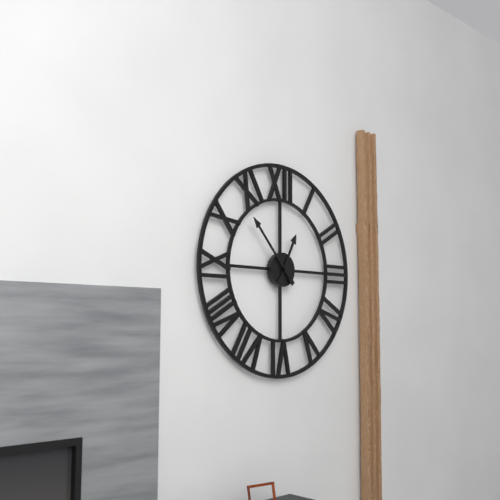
h=12 m=53
